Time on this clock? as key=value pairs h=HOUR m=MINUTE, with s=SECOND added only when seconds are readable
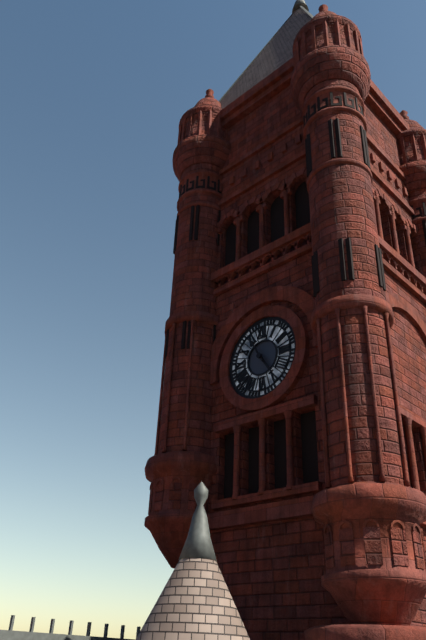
h=4 m=55
